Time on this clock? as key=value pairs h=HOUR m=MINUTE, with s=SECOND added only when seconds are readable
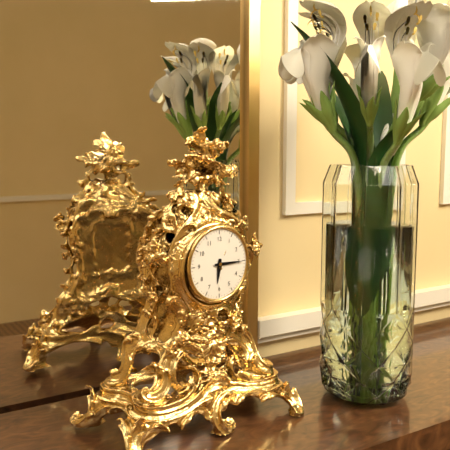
h=6 m=15
